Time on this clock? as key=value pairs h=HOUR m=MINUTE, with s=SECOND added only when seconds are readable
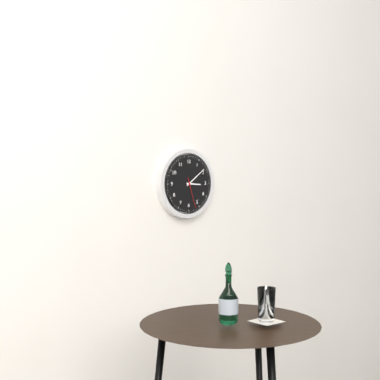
h=3 m=9
